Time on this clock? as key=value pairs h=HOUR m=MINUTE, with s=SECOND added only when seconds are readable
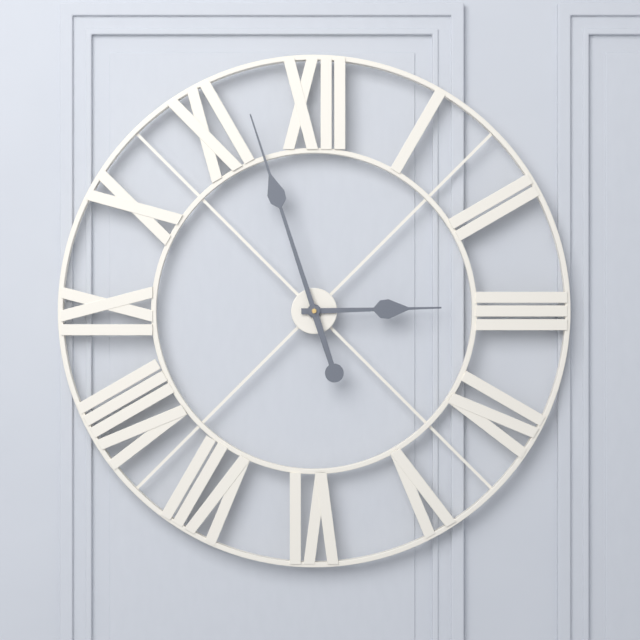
h=2 m=57
